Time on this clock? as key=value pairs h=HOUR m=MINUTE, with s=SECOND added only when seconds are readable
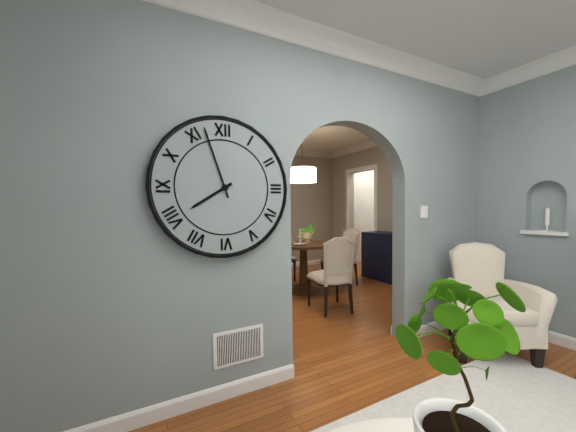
h=7 m=57
